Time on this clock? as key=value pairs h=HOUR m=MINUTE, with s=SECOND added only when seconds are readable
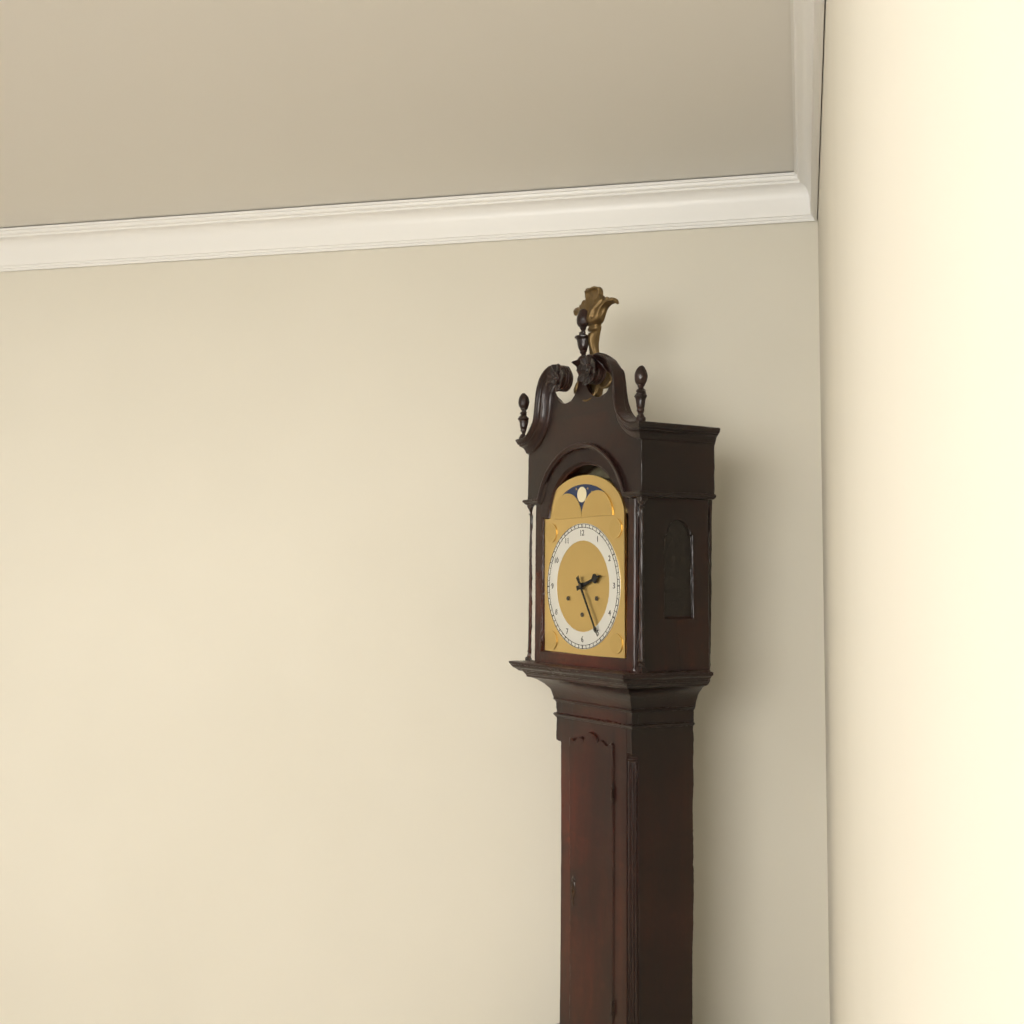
h=2 m=25
